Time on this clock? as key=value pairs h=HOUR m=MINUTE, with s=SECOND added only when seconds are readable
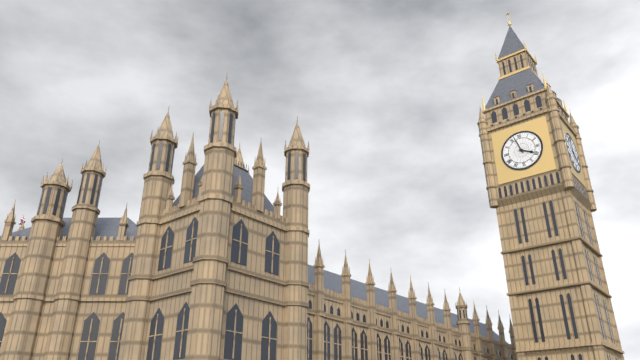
h=3 m=57
